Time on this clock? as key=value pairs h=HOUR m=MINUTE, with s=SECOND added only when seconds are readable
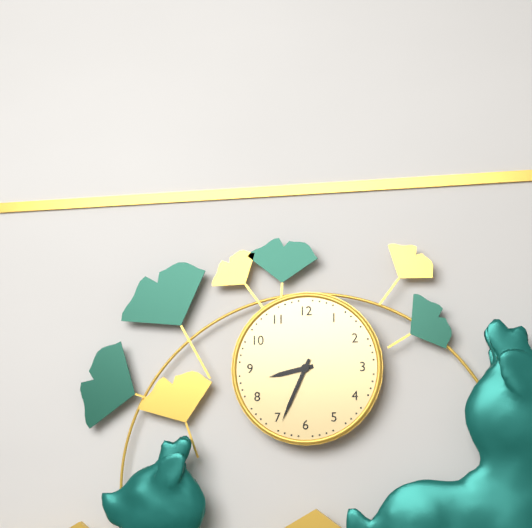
h=8 m=34
